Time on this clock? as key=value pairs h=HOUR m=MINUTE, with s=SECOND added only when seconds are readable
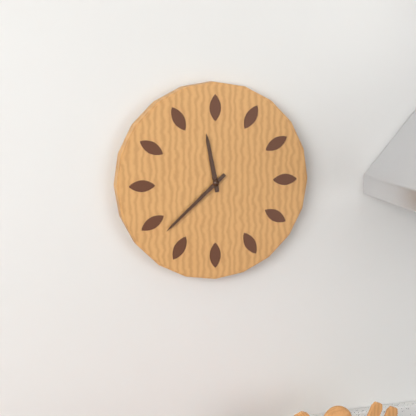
h=11 m=38
